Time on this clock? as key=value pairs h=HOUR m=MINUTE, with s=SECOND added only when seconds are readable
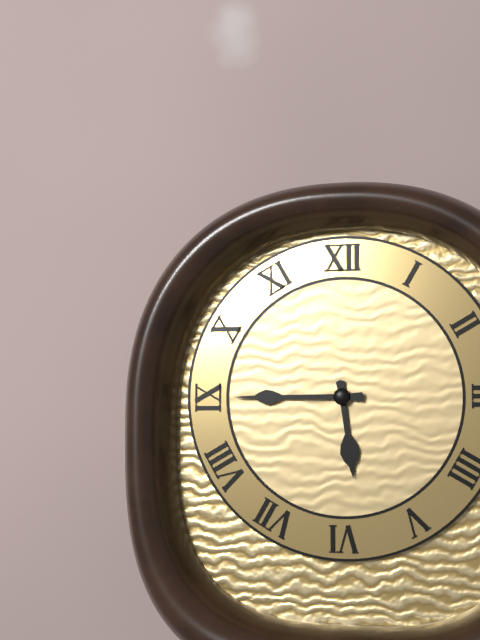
h=5 m=45
